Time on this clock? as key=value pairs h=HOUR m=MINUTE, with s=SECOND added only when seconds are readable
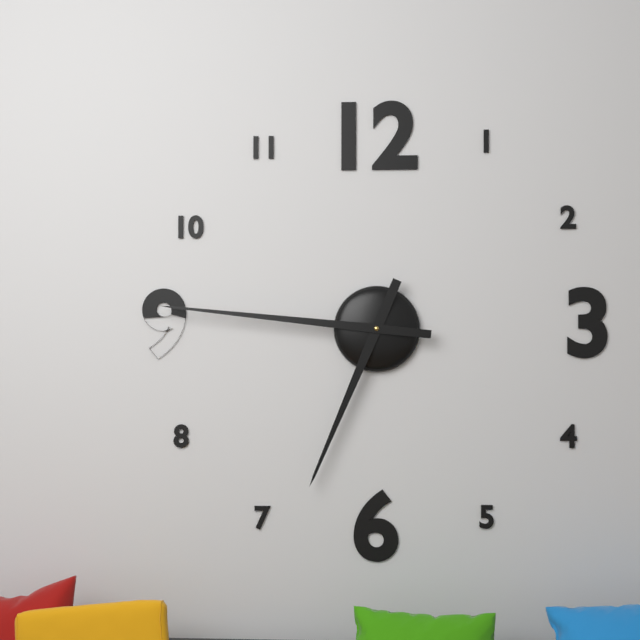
h=6 m=46
